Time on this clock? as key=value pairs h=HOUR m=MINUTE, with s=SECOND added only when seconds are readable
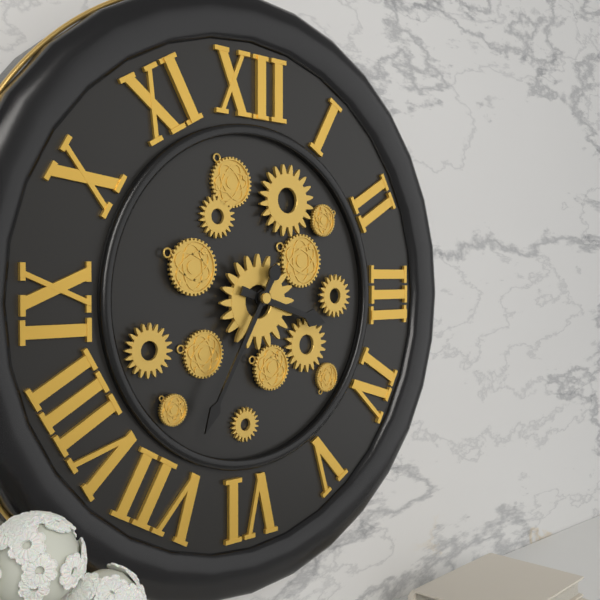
h=3 m=35
